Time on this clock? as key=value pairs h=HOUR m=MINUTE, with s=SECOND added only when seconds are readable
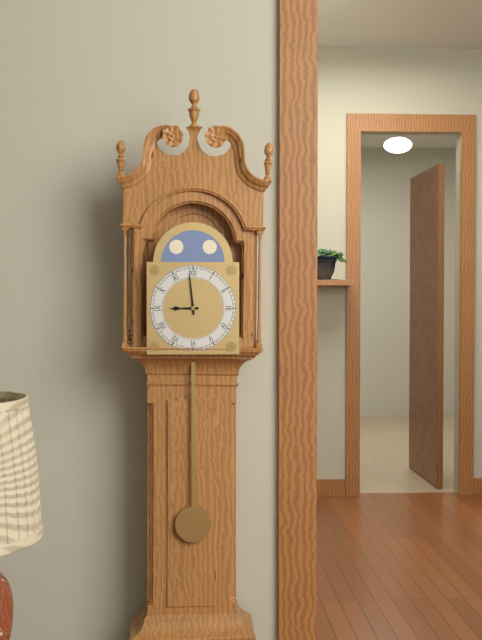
h=8 m=59
